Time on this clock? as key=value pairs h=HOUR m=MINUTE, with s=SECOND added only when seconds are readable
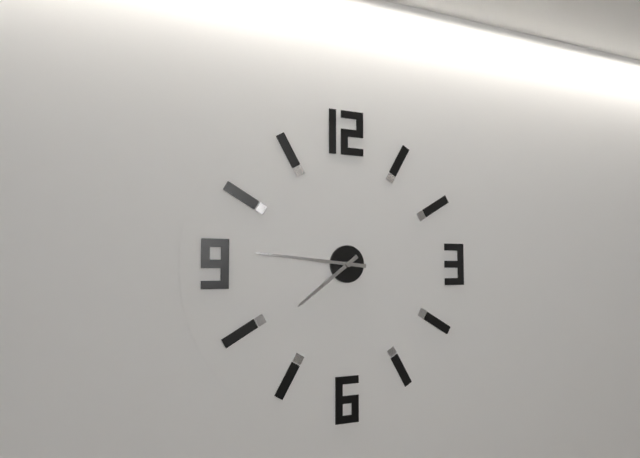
h=7 m=46
